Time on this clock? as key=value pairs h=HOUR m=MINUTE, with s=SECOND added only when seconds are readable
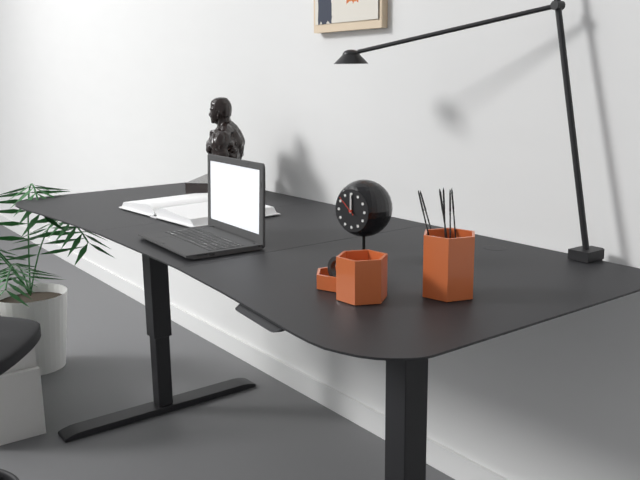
h=12 m=0
